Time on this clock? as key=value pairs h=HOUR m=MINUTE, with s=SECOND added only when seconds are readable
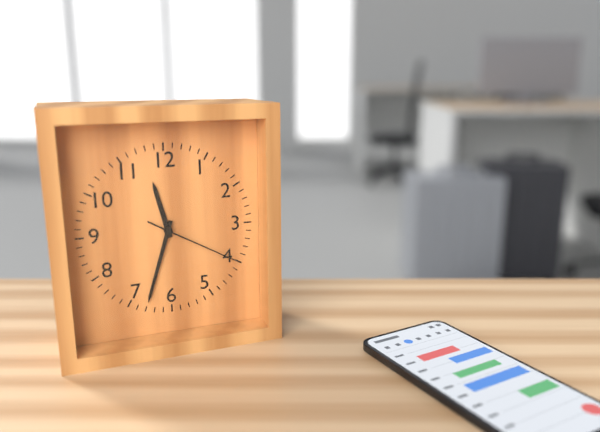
h=11 m=33 s=20
